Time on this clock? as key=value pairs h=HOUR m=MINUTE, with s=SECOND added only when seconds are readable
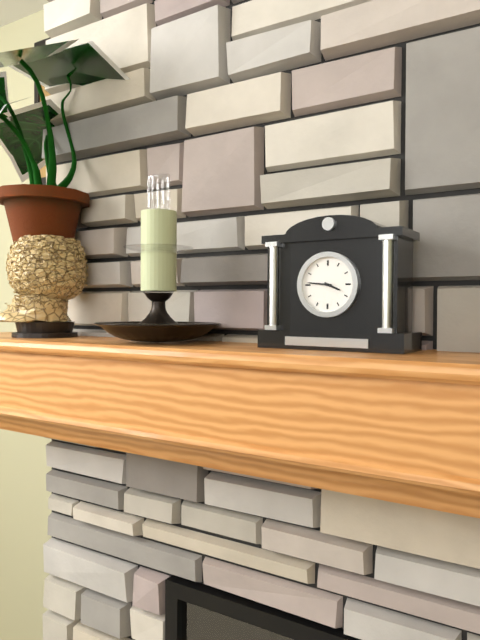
h=3 m=46
